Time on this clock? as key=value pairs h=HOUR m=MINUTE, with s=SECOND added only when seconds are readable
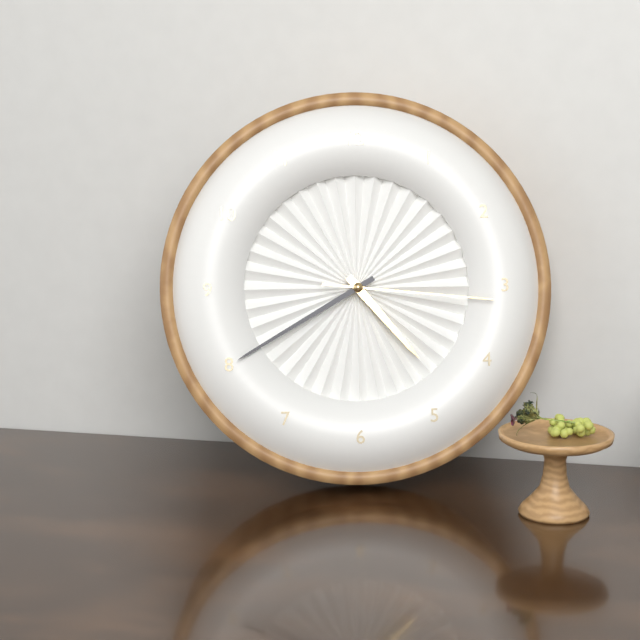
h=4 m=40 s=16
